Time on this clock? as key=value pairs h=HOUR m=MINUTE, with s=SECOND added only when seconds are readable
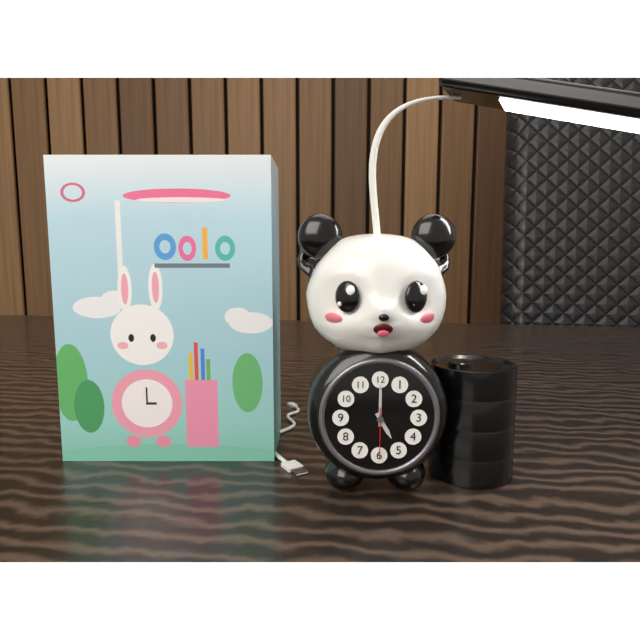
h=5 m=0
